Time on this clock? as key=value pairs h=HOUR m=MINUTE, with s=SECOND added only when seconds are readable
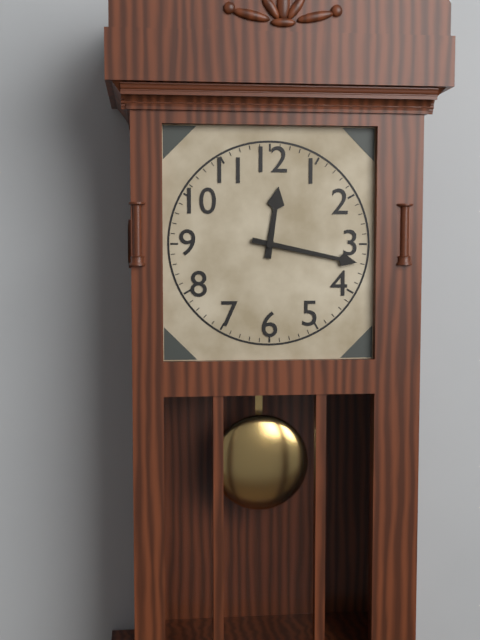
h=12 m=17
